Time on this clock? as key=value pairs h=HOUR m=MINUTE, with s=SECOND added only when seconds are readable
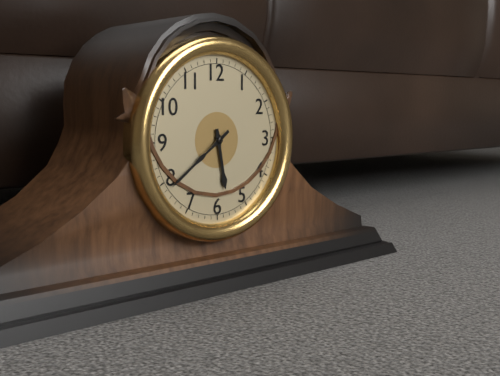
h=5 m=39
